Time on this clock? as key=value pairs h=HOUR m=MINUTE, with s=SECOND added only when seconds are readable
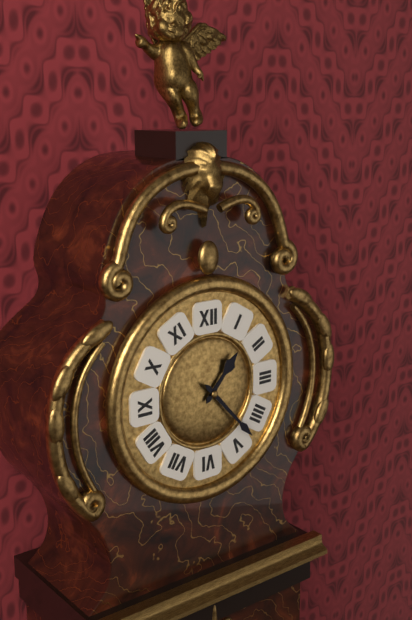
h=1 m=23
